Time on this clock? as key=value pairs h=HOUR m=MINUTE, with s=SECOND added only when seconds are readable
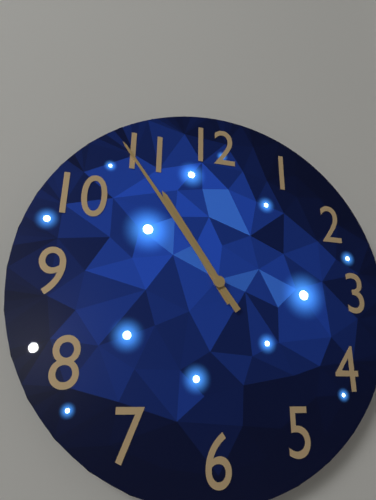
h=10 m=54
